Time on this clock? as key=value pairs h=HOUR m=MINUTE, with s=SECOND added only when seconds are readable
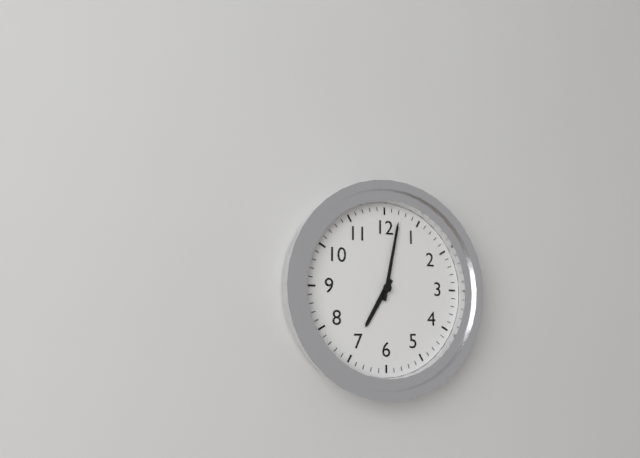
h=7 m=2
